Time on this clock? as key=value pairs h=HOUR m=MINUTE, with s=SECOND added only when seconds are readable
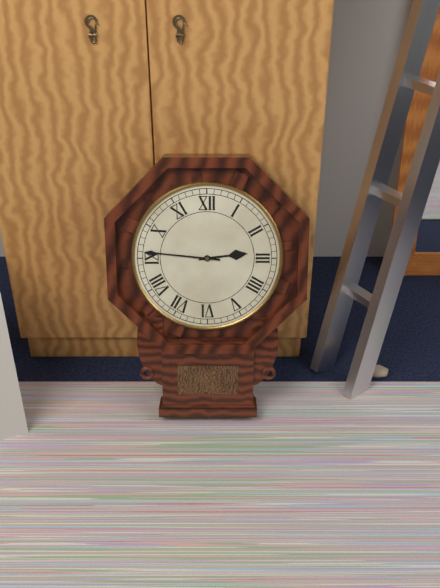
h=2 m=46
